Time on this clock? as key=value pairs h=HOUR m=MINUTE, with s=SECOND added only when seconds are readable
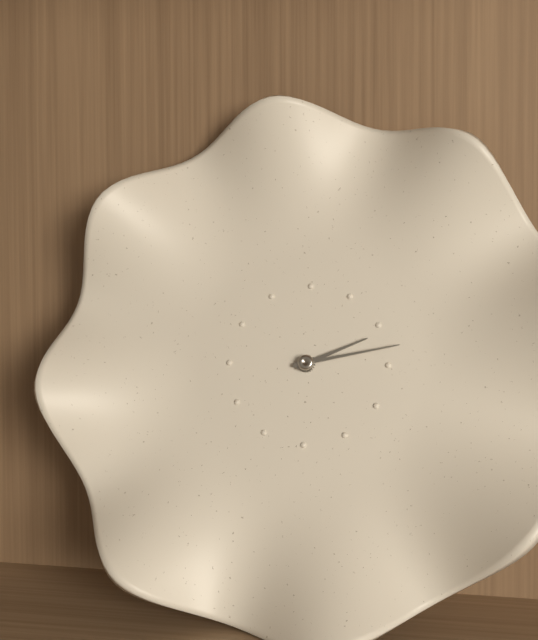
h=2 m=13
